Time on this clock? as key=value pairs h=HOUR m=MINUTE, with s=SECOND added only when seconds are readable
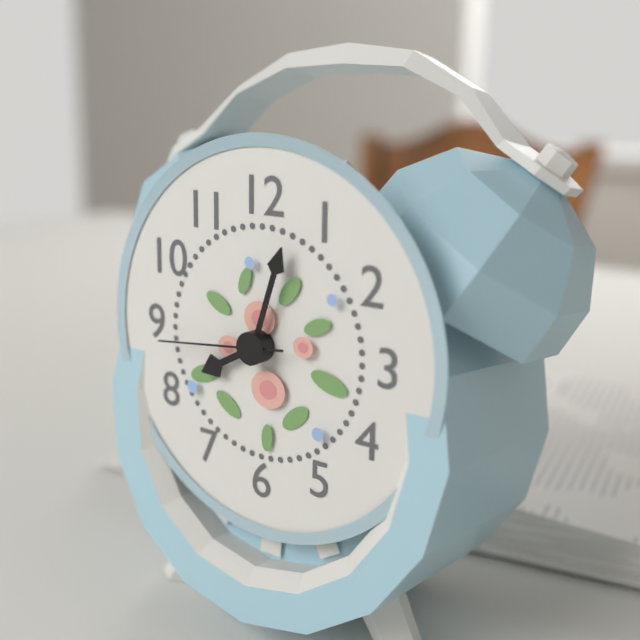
h=8 m=3 s=44
